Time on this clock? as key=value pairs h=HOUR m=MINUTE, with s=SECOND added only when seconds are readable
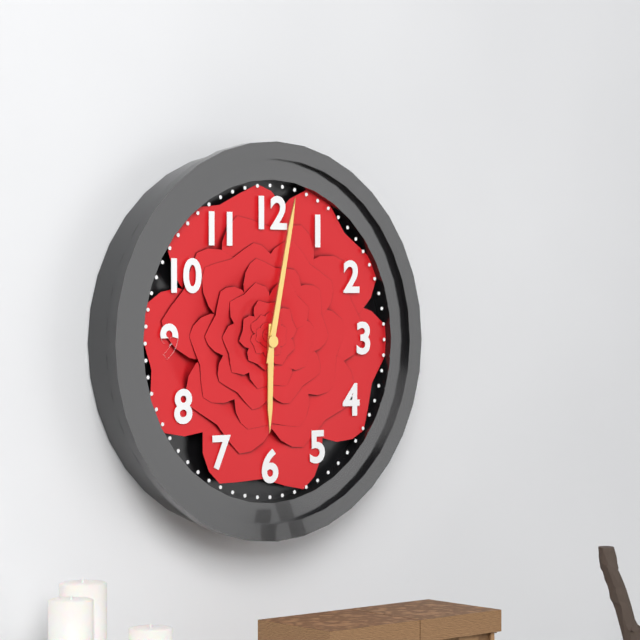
h=6 m=2
